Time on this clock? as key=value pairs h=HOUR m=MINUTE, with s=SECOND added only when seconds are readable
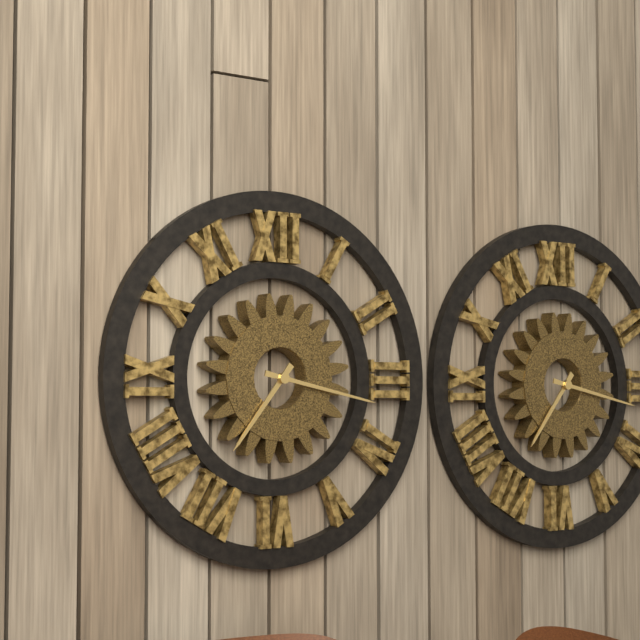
h=7 m=17
